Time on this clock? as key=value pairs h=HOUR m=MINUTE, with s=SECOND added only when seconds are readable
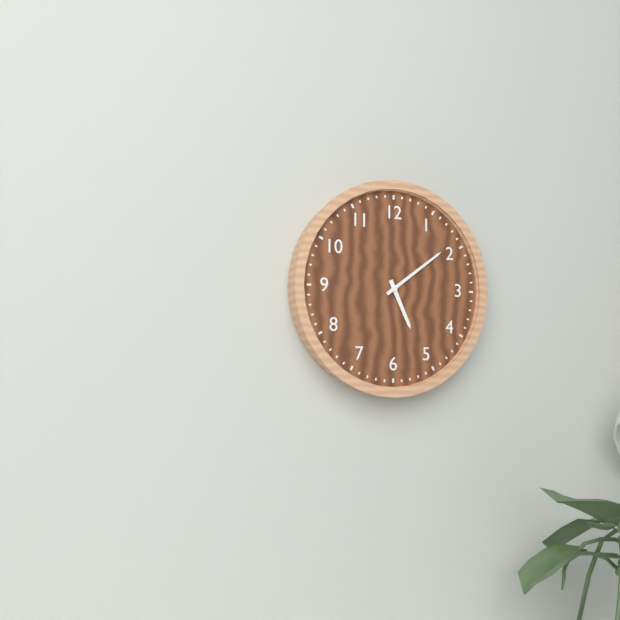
h=5 m=9
